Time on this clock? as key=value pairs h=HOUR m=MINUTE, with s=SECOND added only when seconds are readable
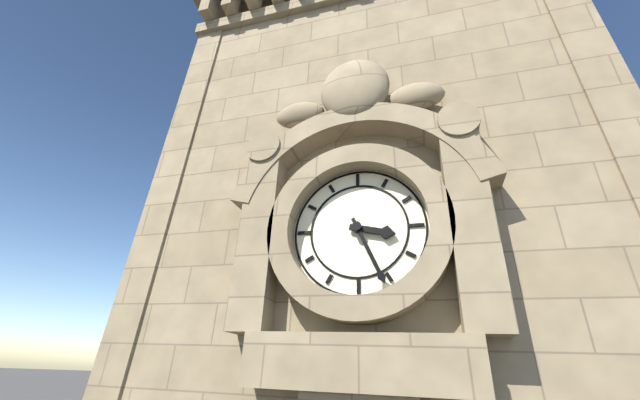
h=3 m=26
